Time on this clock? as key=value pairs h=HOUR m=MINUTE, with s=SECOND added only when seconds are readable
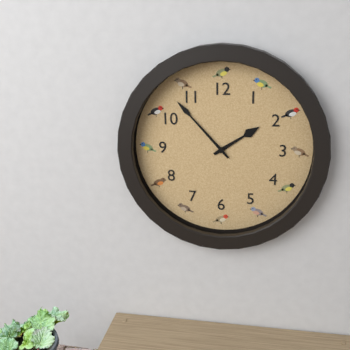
h=1 m=53
